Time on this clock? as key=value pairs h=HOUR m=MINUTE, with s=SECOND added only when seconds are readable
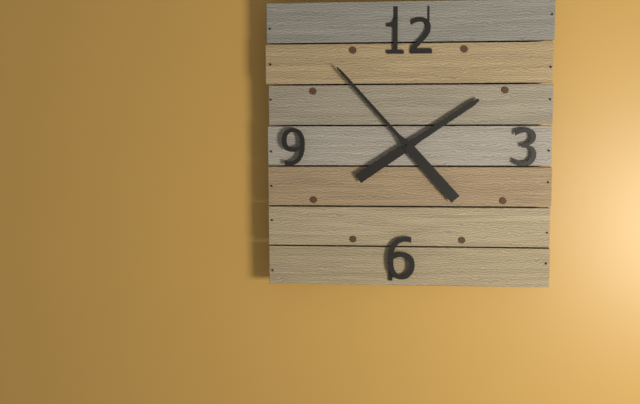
h=1 m=53
